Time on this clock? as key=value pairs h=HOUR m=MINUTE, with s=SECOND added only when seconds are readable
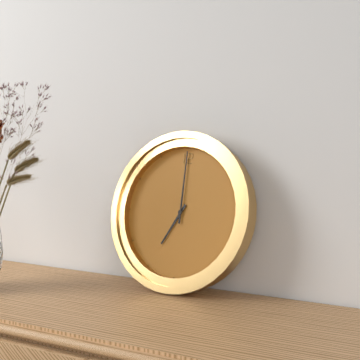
h=7 m=0
